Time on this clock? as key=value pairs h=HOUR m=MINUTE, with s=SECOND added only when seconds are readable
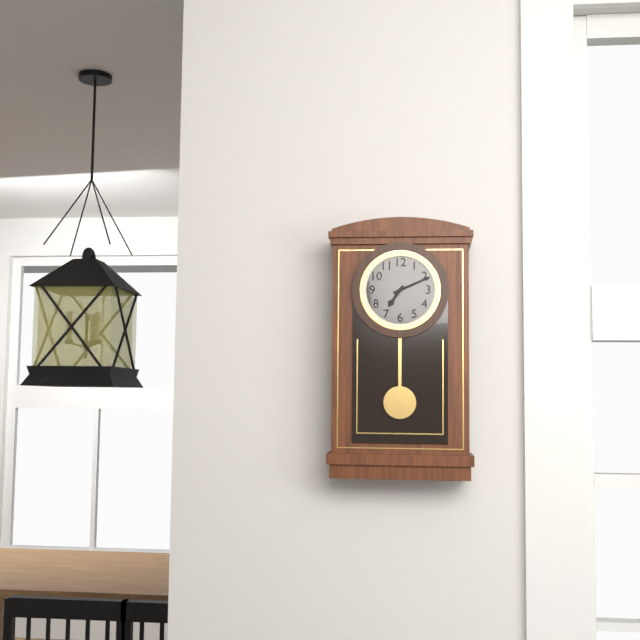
h=7 m=11
